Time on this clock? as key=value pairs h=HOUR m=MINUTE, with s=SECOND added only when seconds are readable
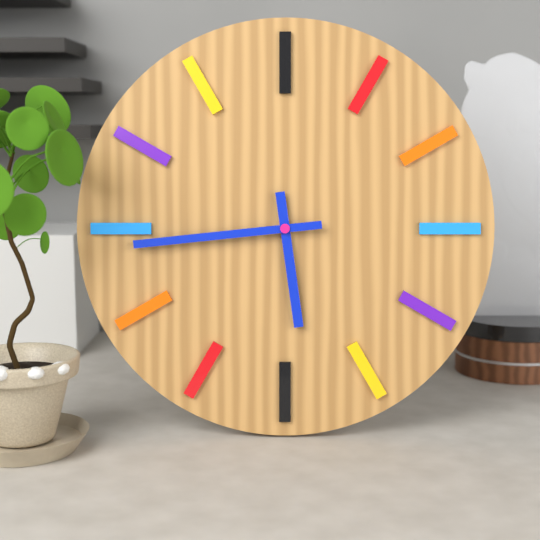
h=5 m=44
